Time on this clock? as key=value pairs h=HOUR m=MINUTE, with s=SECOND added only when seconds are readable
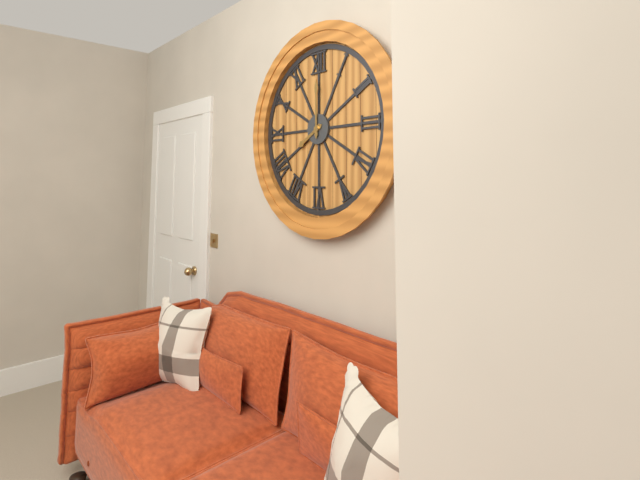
h=8 m=0
